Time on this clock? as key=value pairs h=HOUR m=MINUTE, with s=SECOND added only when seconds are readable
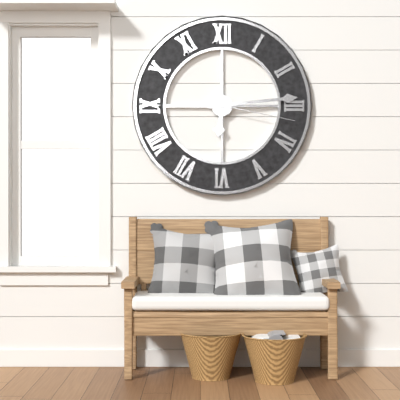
h=6 m=14 s=17
